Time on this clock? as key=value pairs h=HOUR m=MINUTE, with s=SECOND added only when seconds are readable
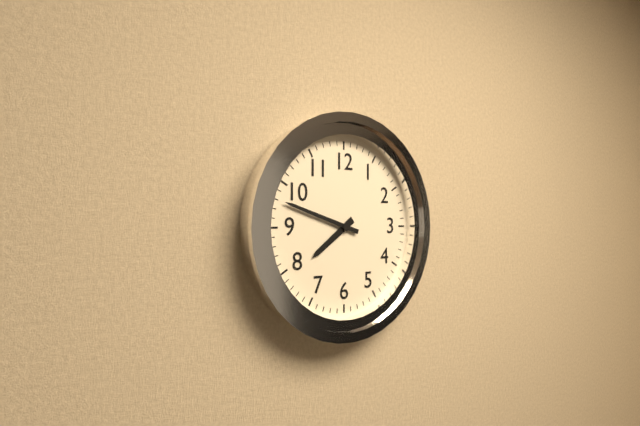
h=7 m=48
